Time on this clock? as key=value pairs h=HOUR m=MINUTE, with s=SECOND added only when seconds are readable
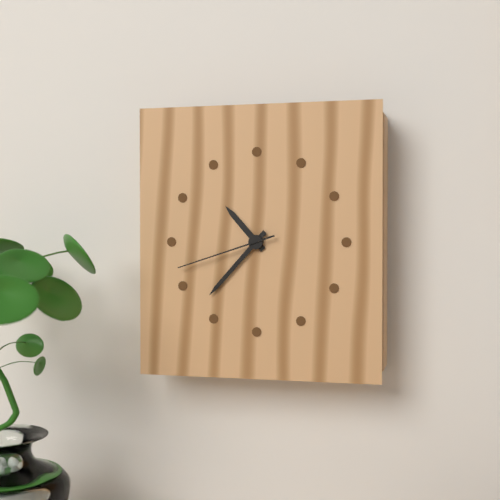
h=10 m=37 s=42
